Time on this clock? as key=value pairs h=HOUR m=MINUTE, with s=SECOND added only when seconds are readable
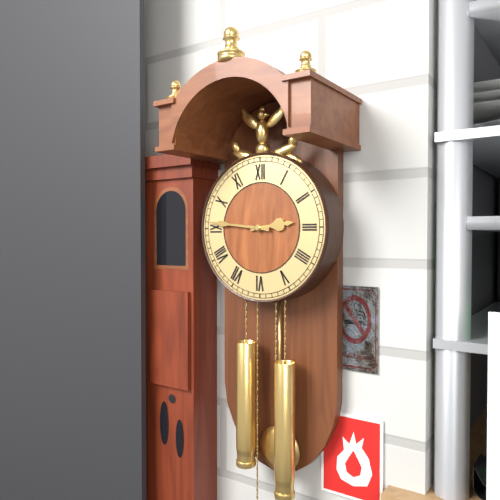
h=2 m=46
